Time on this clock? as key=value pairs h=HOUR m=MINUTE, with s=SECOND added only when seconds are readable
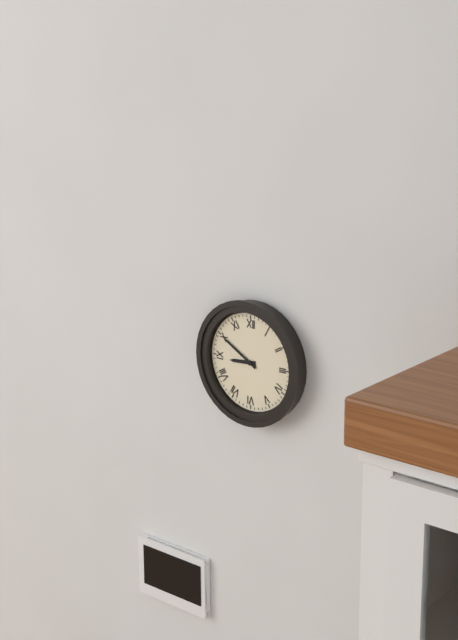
h=8 m=50
